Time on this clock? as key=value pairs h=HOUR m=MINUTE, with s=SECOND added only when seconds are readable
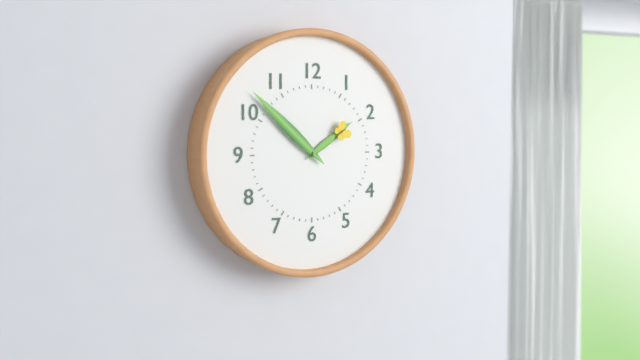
h=1 m=52
